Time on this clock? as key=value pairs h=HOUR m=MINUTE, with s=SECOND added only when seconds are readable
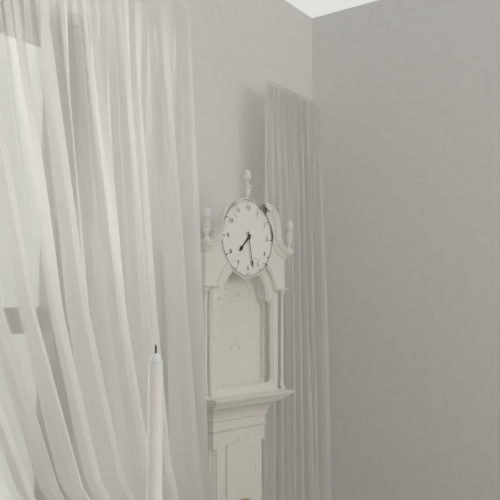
h=7 m=28
